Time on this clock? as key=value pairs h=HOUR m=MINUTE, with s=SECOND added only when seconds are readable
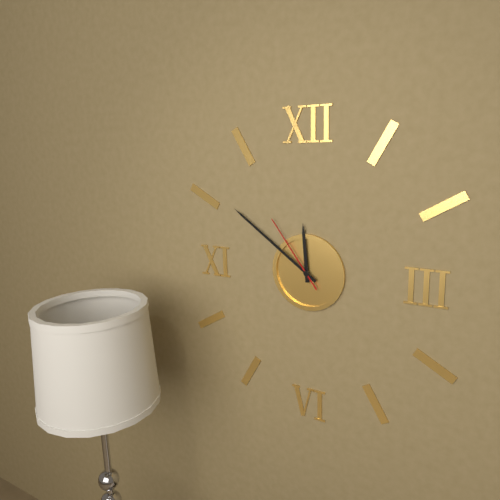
h=11 m=51 s=54
